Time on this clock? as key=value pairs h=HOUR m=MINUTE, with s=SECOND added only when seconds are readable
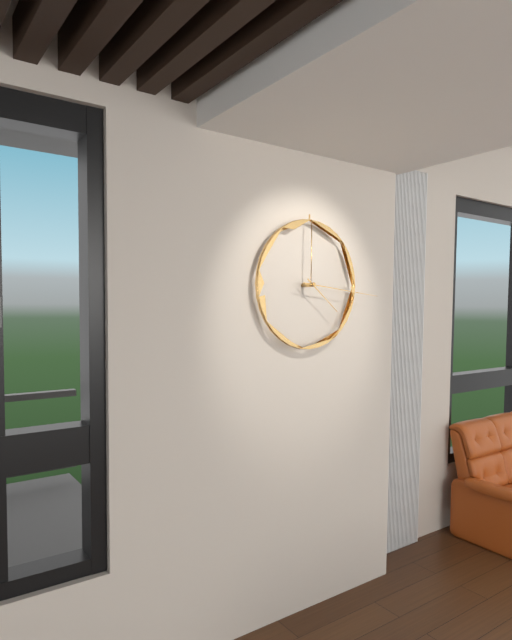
h=4 m=16
